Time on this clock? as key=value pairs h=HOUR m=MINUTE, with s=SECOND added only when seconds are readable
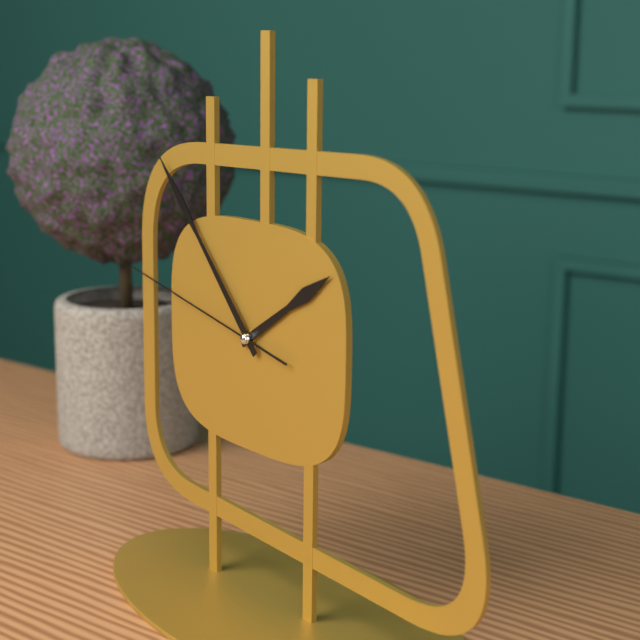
h=1 m=53 s=47
